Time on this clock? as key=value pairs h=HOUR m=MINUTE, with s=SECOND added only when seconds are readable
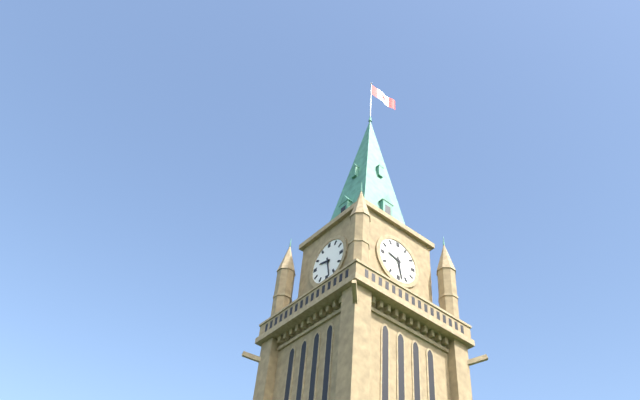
h=9 m=28
